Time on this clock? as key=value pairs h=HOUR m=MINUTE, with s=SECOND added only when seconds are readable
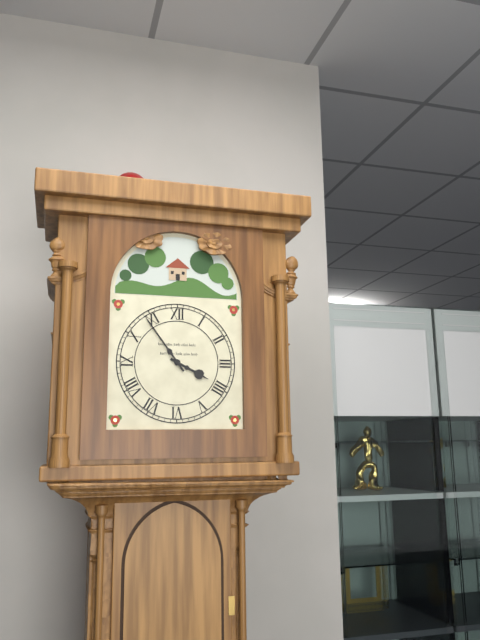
h=3 m=54
